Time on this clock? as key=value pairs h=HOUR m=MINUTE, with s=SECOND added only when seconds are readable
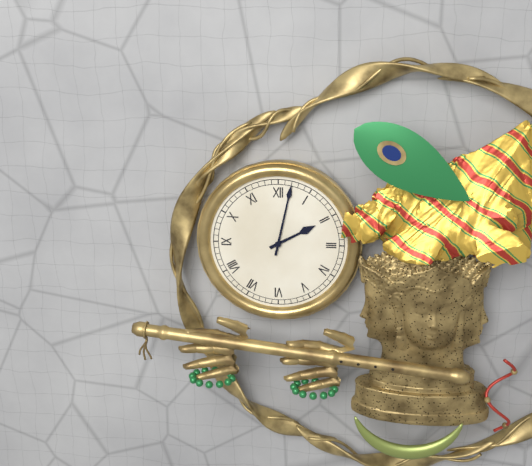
h=2 m=2
